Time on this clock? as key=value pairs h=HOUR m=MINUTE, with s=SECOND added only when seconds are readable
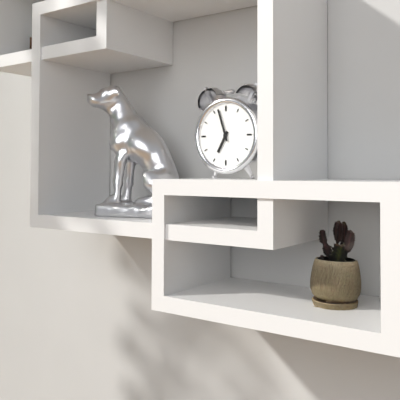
h=6 m=57
